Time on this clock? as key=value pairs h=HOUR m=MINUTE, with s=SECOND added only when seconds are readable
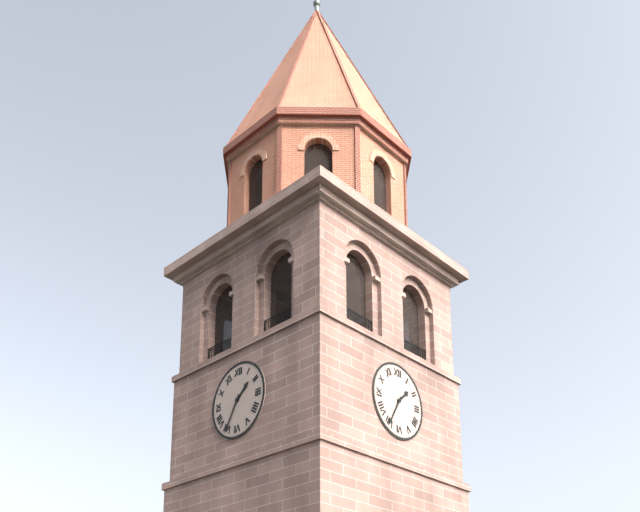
h=1 m=35
